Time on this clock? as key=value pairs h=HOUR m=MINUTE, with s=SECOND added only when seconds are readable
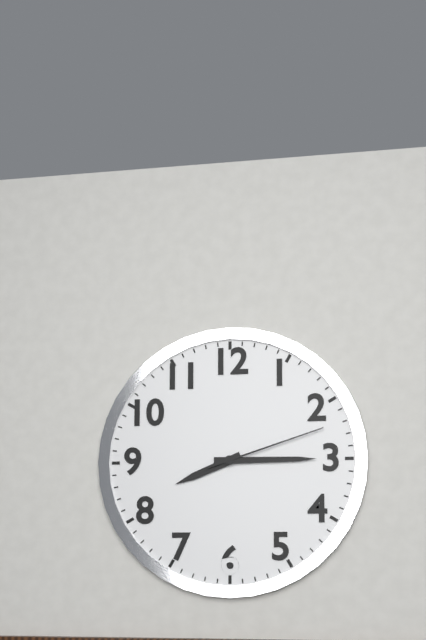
h=8 m=15 s=12
